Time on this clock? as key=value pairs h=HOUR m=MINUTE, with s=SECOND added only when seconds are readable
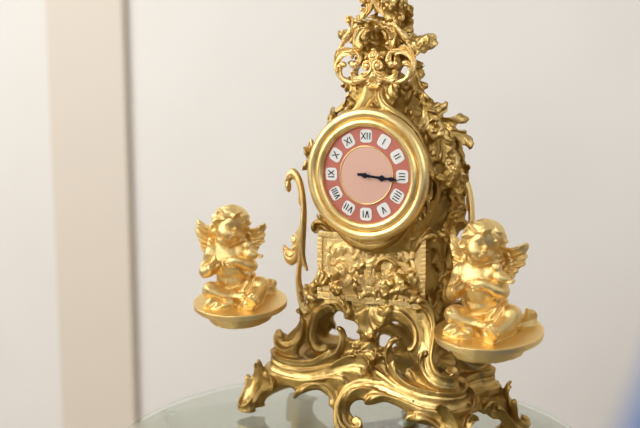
h=3 m=16
